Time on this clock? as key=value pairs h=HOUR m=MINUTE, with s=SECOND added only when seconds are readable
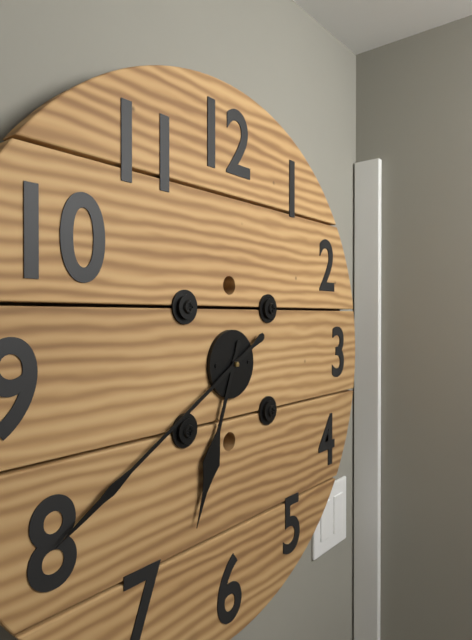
h=6 m=40
